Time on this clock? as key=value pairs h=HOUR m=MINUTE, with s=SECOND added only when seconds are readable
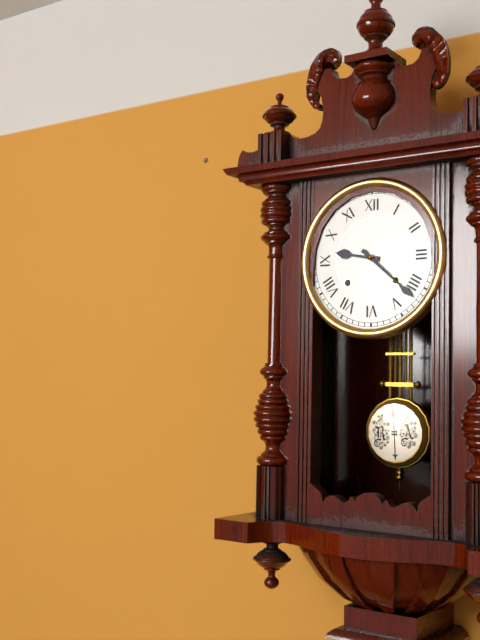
h=9 m=22
